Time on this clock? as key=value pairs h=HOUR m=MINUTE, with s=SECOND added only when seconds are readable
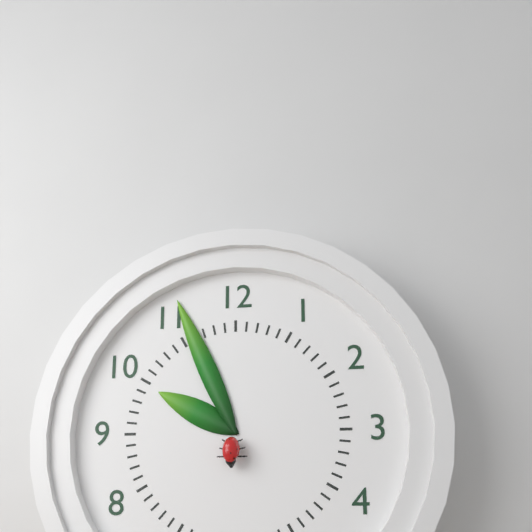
h=9 m=56
